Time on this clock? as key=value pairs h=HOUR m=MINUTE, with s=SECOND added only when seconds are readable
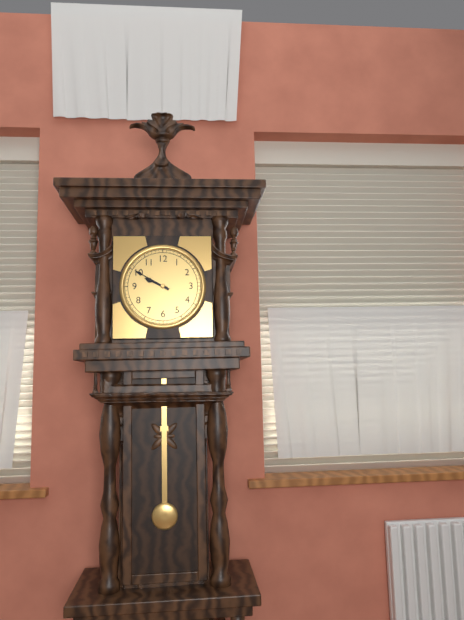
h=9 m=50
